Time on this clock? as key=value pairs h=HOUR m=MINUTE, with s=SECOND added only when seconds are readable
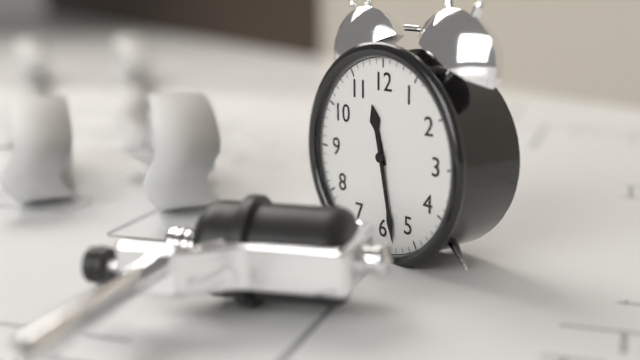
h=11 m=28
